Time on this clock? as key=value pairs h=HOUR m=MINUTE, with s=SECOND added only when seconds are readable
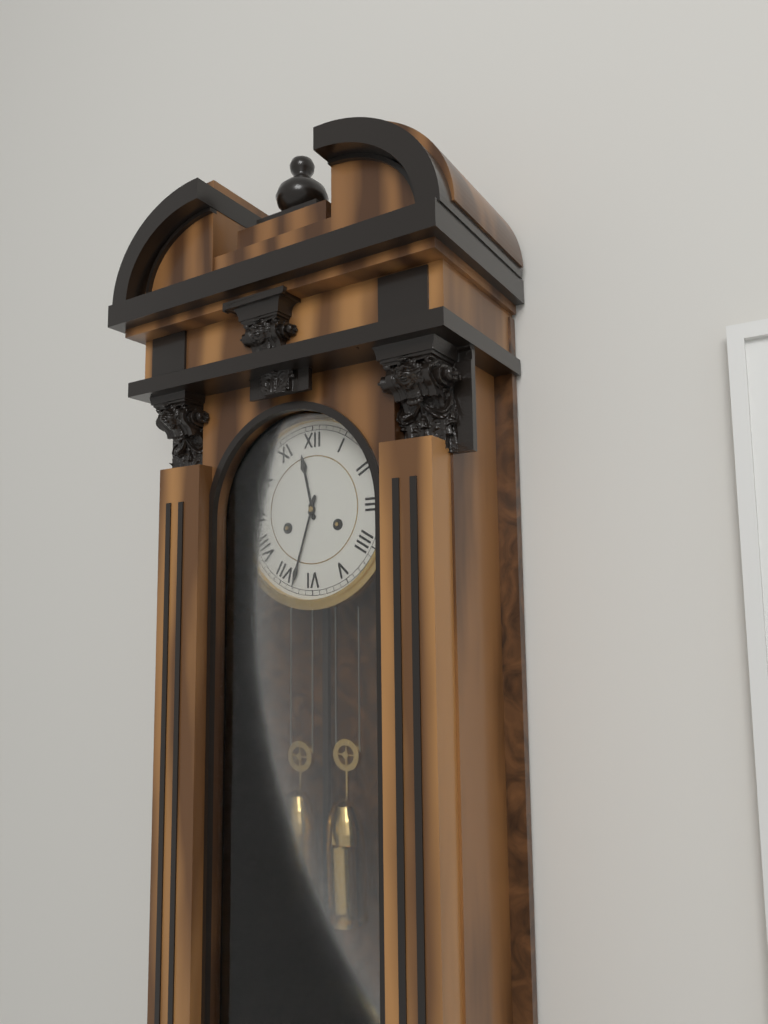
h=11 m=33
